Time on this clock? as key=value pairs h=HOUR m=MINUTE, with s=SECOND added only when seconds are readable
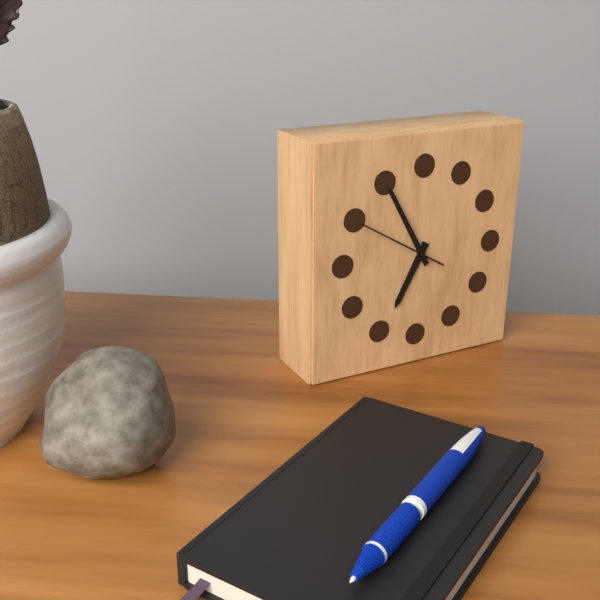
h=6 m=55 s=50
